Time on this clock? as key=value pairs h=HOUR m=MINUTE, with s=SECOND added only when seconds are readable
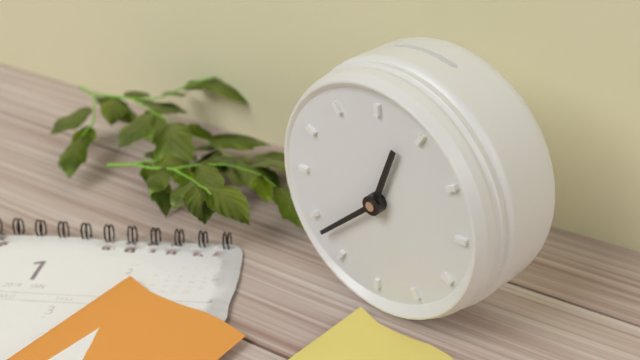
h=12 m=38
